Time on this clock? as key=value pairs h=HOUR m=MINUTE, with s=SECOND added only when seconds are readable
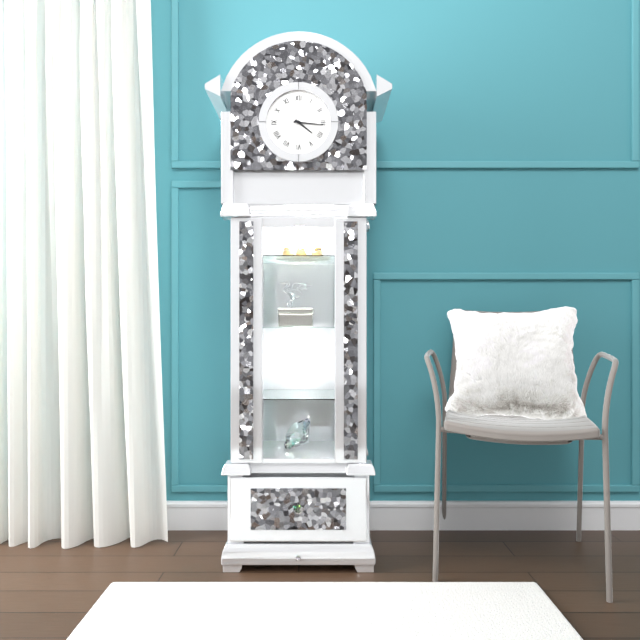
h=4 m=16
